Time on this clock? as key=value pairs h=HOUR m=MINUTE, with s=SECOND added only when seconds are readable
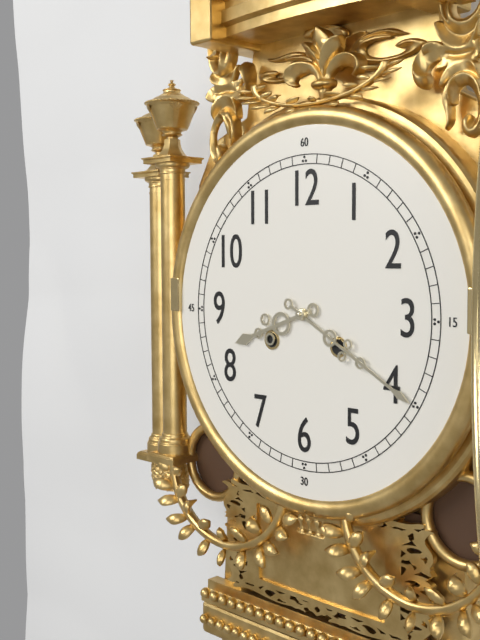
h=8 m=20
